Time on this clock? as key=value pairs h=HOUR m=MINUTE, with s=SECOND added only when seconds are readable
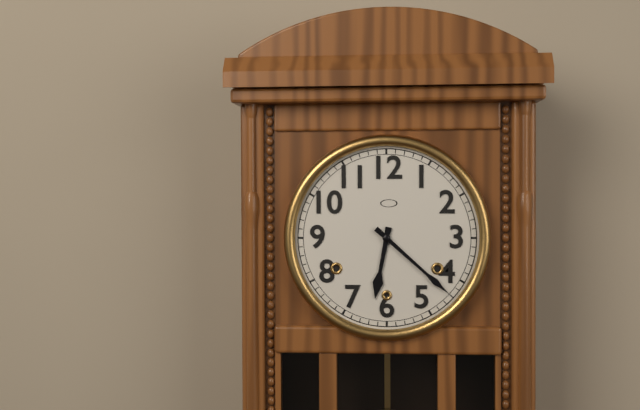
h=6 m=22
